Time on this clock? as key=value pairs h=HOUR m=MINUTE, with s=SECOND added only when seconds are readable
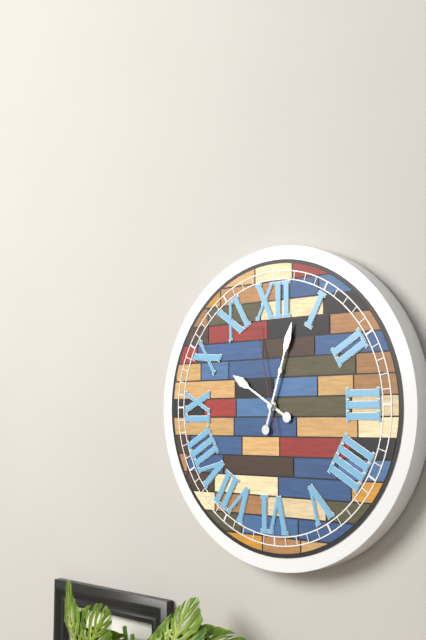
h=10 m=3 s=58
